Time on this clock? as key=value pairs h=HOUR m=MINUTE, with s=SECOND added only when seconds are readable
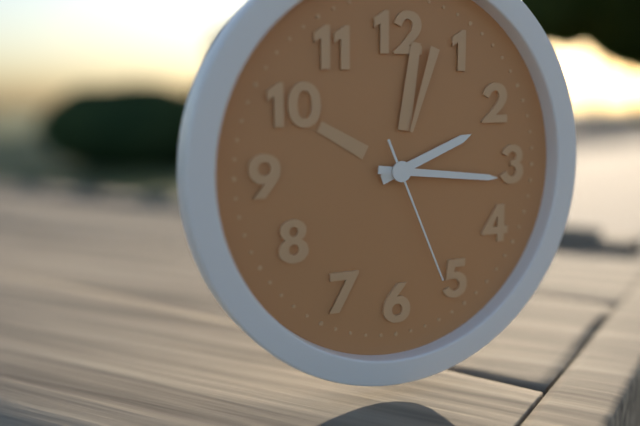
h=2 m=16 s=26
